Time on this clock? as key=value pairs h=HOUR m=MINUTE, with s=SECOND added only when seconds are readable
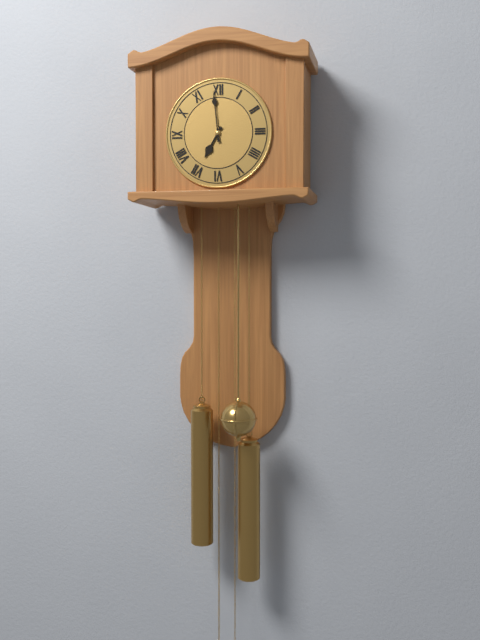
h=6 m=59
